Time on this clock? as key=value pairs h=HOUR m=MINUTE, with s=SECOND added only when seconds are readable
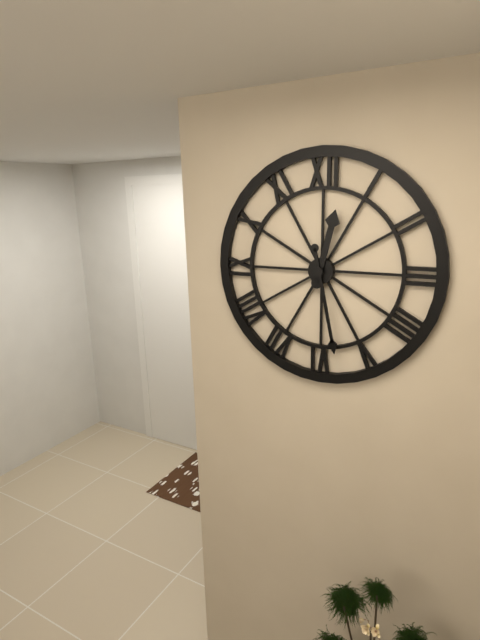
h=12 m=28
